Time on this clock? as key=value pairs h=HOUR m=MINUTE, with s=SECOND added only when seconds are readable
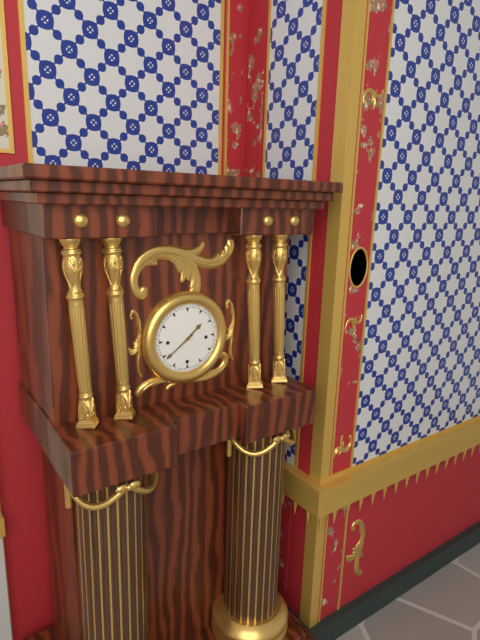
h=1 m=39
